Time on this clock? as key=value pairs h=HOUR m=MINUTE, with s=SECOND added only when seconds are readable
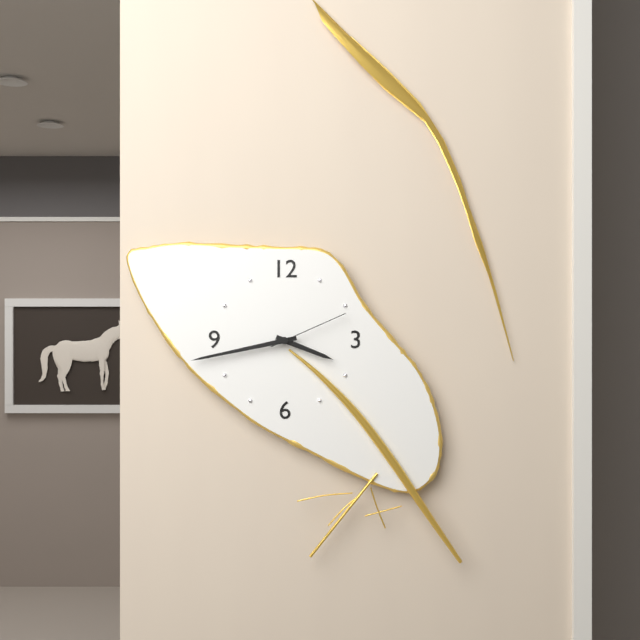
h=3 m=43 s=11
